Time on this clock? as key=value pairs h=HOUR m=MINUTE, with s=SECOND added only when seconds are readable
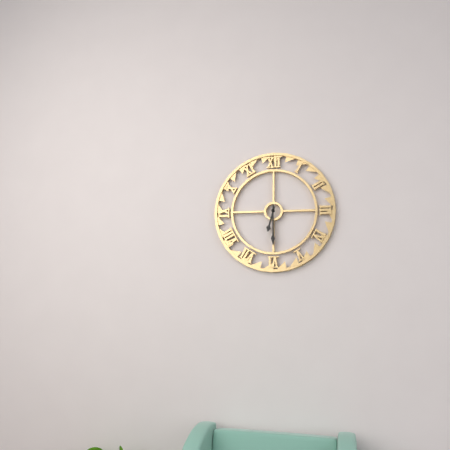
h=6 m=30
